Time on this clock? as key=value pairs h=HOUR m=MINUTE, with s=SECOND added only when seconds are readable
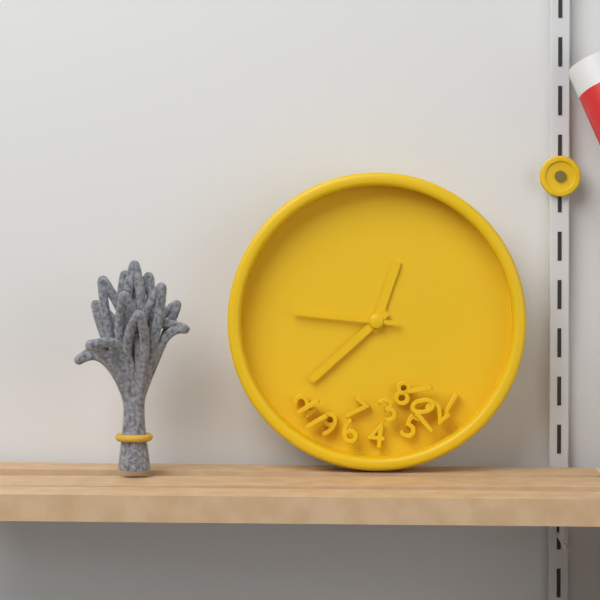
h=12 m=38 s=46
